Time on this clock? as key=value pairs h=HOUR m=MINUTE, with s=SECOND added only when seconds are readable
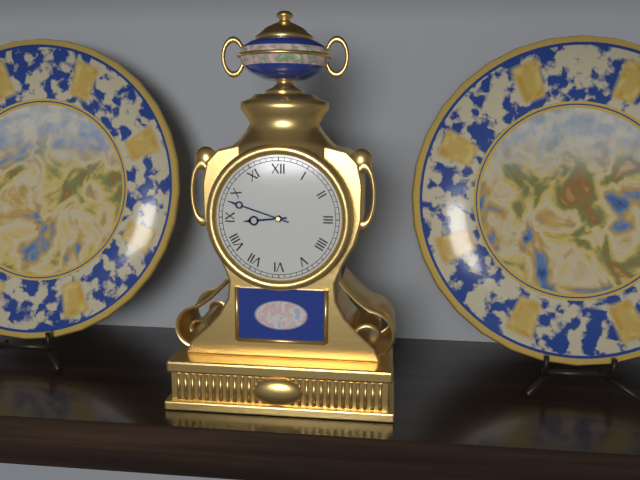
h=8 m=48
